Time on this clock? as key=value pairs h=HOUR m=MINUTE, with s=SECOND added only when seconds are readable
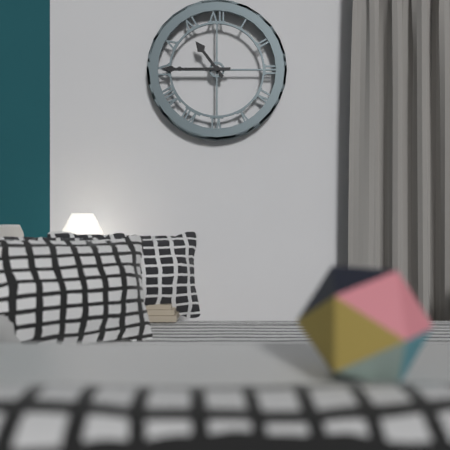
h=10 m=45
